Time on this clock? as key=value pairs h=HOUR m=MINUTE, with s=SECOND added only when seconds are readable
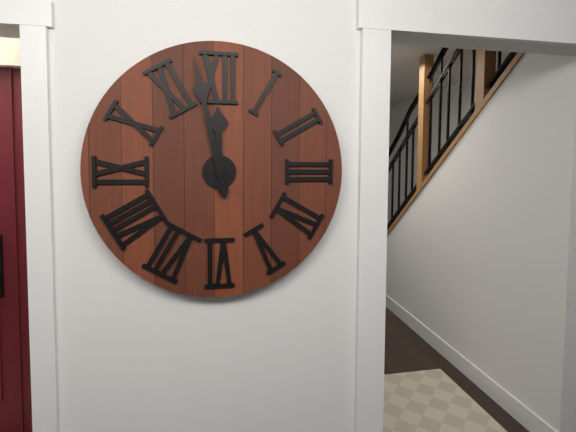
h=11 m=58
